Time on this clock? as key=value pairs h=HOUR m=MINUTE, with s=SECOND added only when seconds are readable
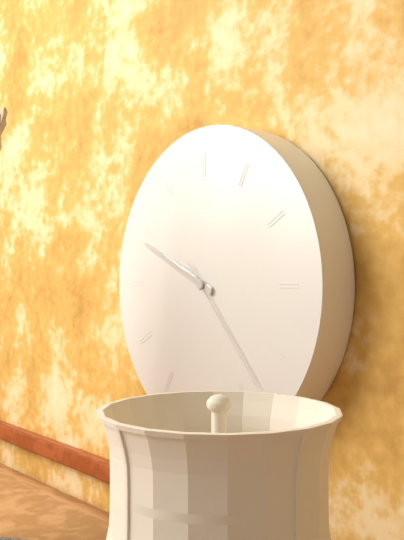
h=9 m=49 s=23
